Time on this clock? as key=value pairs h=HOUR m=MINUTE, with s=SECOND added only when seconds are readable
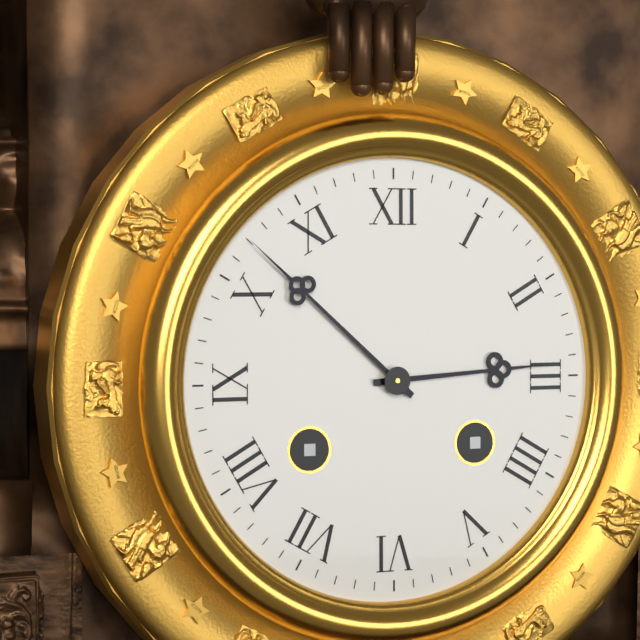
h=2 m=52
